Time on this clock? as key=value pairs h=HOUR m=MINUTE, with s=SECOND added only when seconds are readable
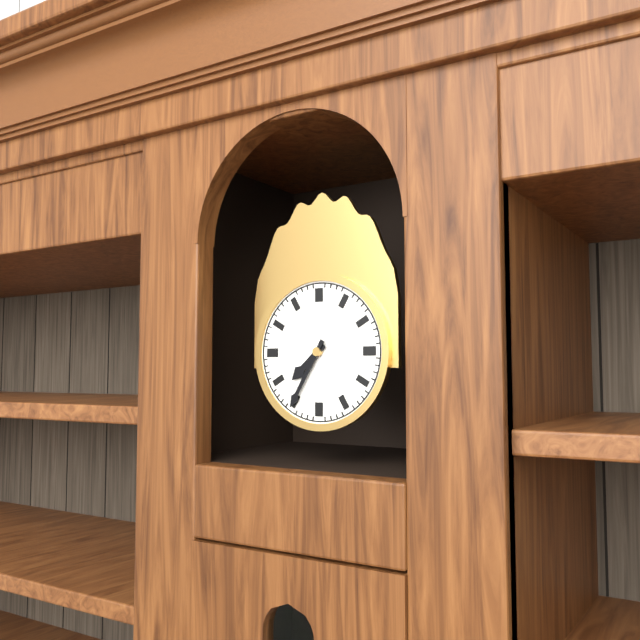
h=7 m=35
